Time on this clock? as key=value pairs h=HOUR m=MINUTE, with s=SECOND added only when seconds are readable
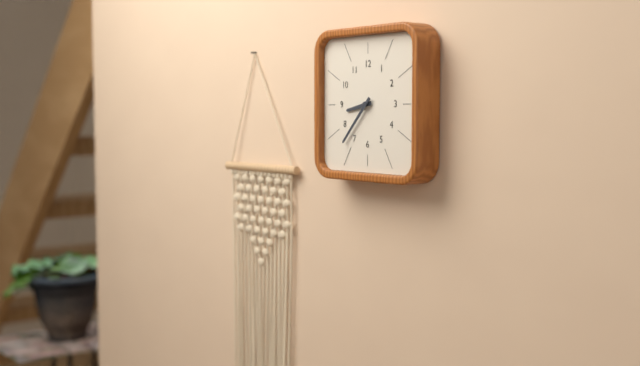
h=8 m=37
